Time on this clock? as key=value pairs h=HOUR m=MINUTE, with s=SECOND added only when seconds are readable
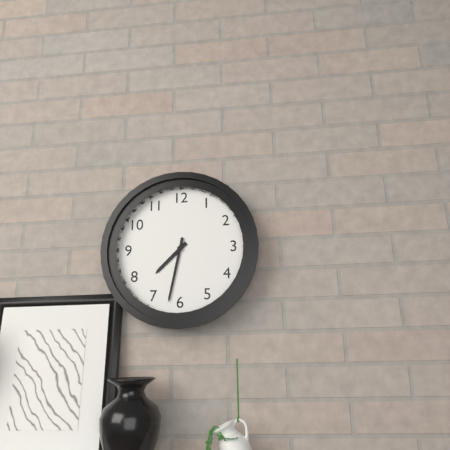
h=7 m=32
